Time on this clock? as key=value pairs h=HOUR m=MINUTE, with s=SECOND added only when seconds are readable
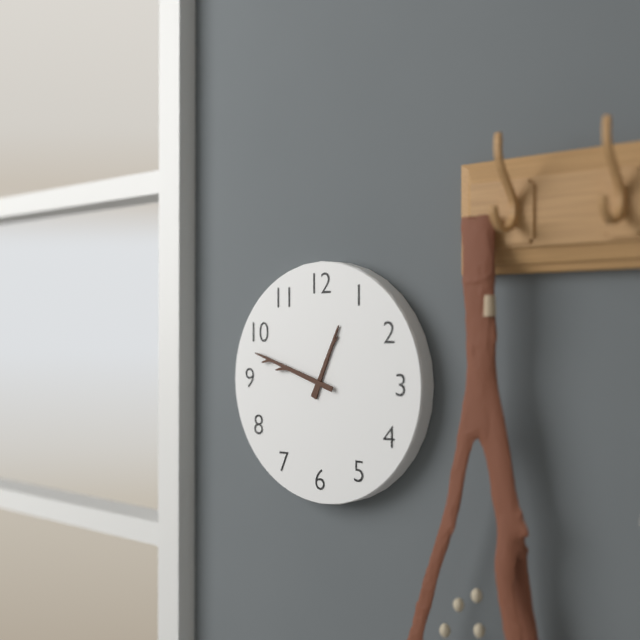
h=12 m=48
